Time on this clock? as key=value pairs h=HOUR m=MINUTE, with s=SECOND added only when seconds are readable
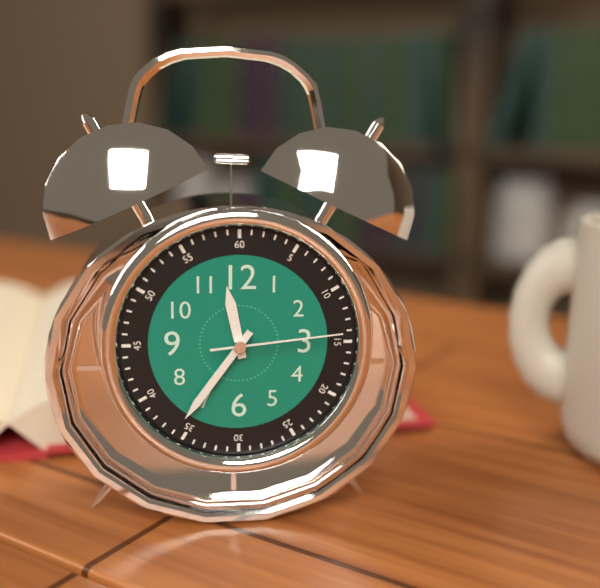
h=11 m=36 s=14
